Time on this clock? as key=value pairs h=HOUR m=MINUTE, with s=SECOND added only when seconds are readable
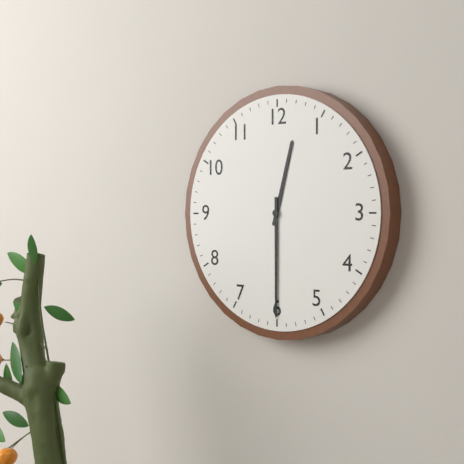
h=12 m=30
